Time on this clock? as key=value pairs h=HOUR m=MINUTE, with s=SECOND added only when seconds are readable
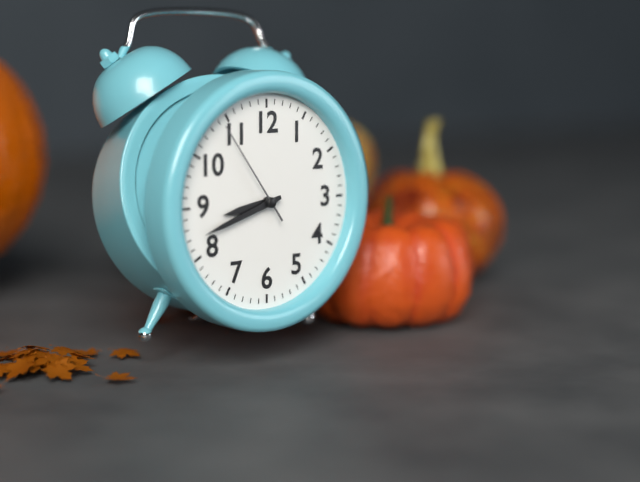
h=8 m=42 s=54
